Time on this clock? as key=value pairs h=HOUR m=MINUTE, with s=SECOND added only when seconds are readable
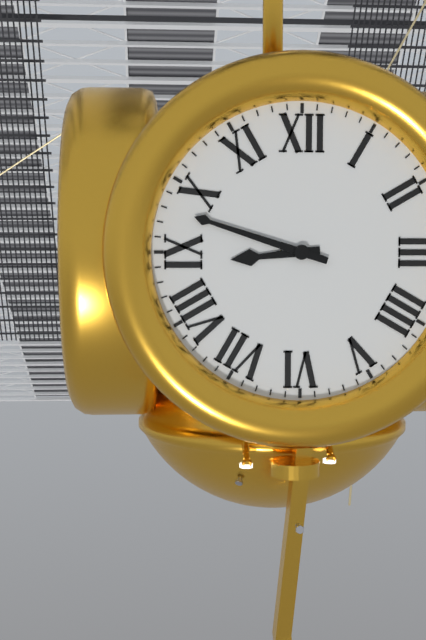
h=8 m=48
